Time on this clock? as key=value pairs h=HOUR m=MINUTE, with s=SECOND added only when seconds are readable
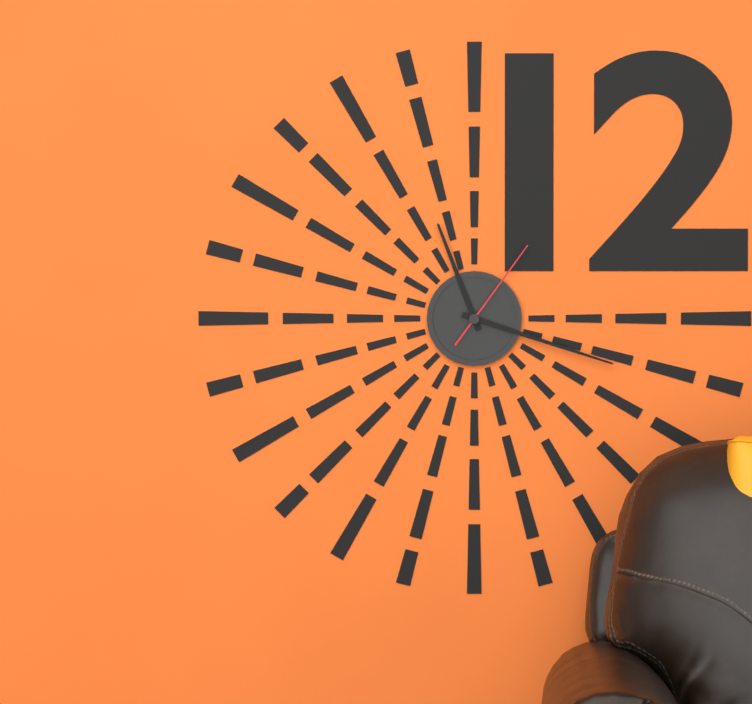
h=11 m=18 s=6
